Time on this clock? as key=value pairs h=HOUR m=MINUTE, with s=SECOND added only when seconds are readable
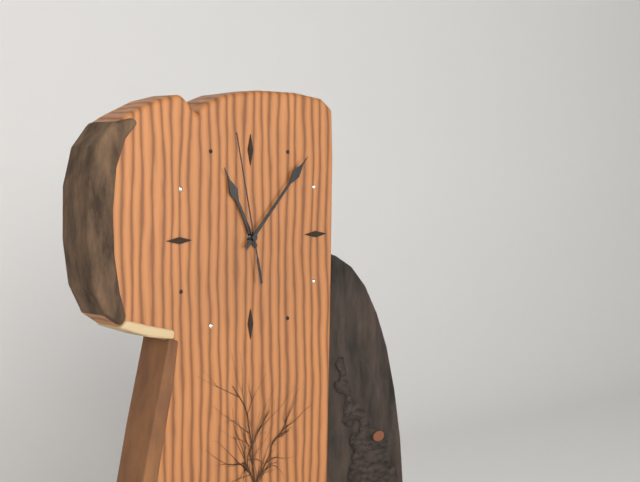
h=11 m=7 s=58
